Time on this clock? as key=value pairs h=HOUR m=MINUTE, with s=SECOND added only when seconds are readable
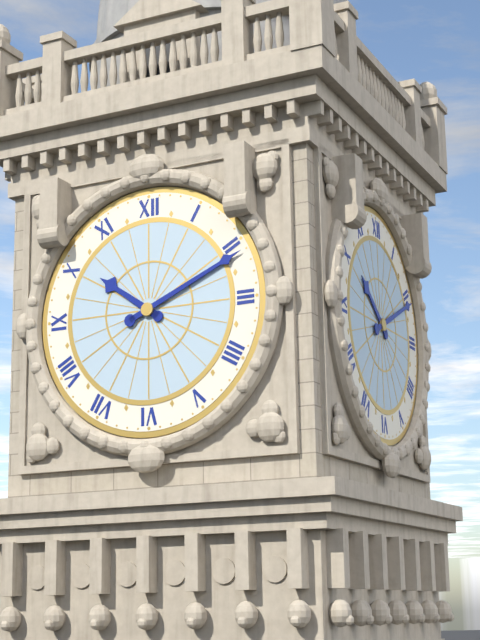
h=10 m=11
